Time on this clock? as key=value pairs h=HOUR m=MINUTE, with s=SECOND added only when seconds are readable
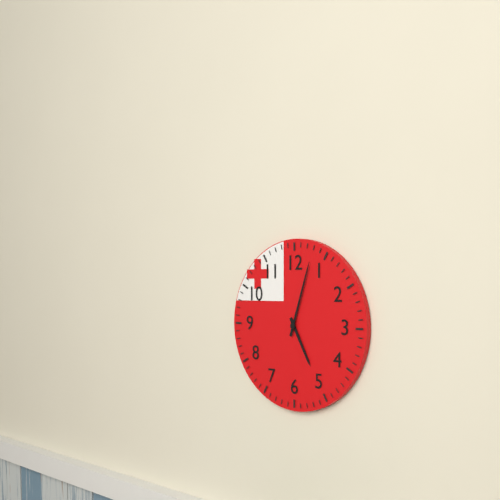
h=5 m=3
